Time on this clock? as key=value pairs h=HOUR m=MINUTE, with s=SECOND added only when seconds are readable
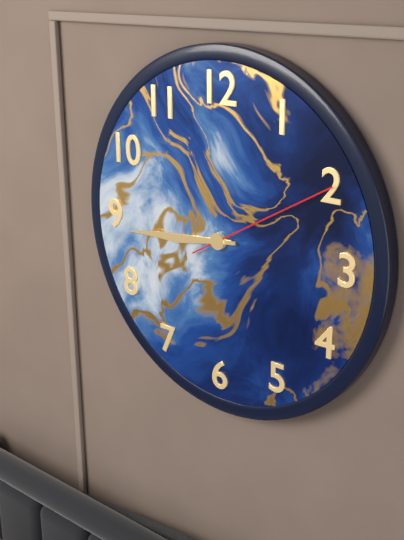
h=8 m=44 s=10
